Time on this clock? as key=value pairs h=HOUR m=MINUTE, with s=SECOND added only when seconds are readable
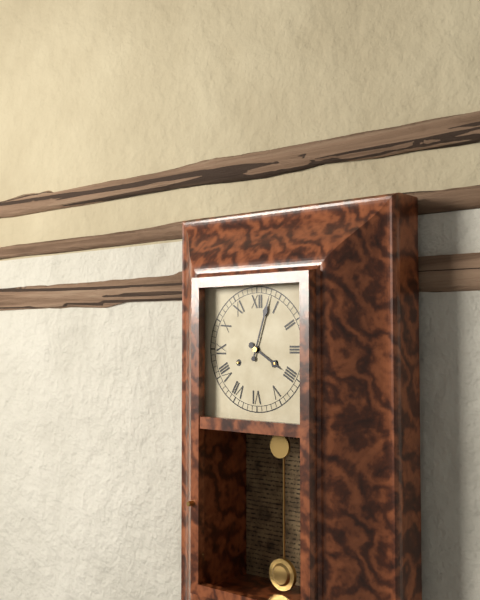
h=4 m=3
